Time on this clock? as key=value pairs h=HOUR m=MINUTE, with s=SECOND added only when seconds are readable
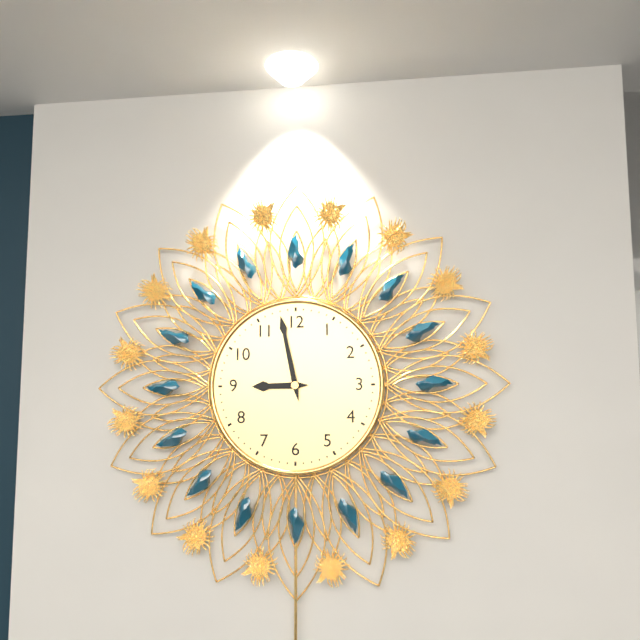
h=8 m=58
